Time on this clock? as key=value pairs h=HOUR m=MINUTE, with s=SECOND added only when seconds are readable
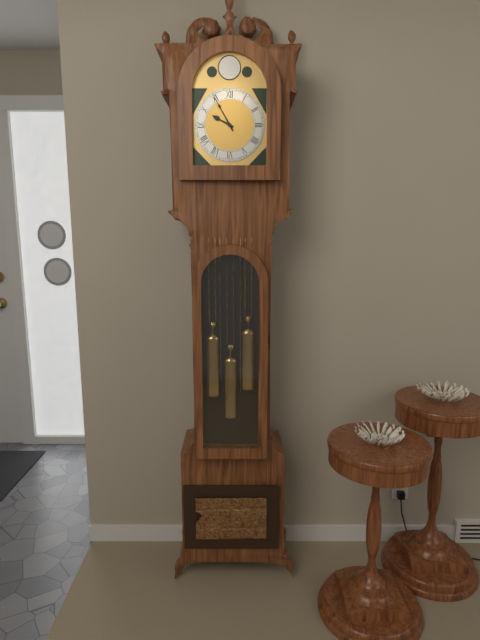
h=9 m=55
